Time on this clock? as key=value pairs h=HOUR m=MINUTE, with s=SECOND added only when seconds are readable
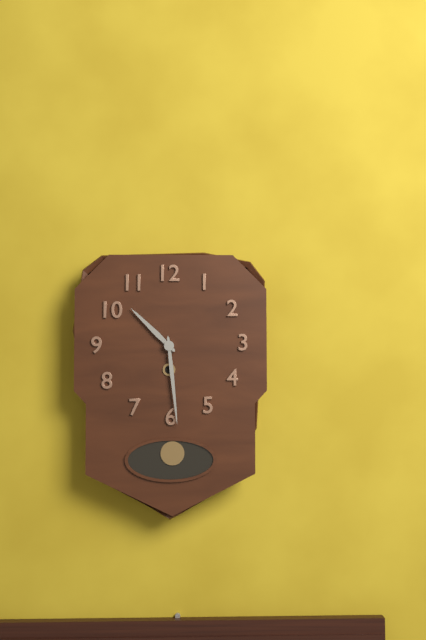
h=10 m=29
